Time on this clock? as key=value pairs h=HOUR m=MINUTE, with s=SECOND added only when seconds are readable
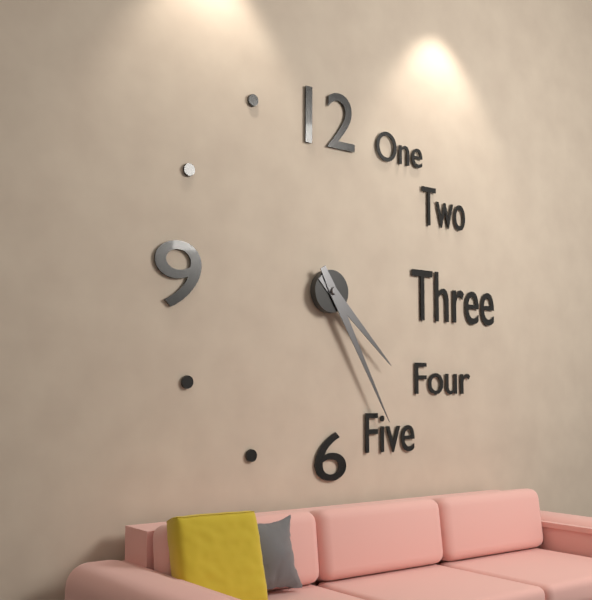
h=4 m=25
